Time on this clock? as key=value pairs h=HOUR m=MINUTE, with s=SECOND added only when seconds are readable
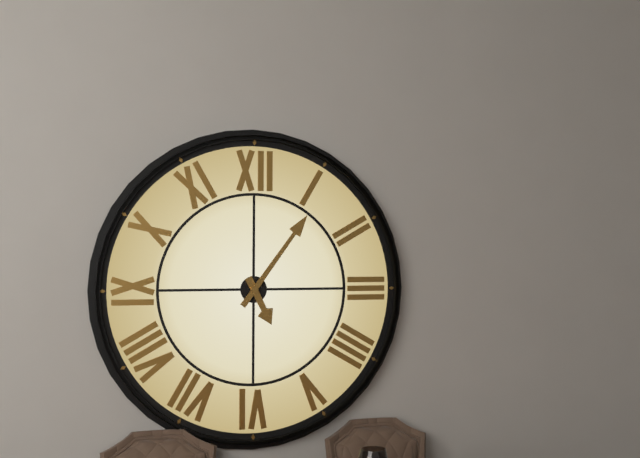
h=5 m=6
